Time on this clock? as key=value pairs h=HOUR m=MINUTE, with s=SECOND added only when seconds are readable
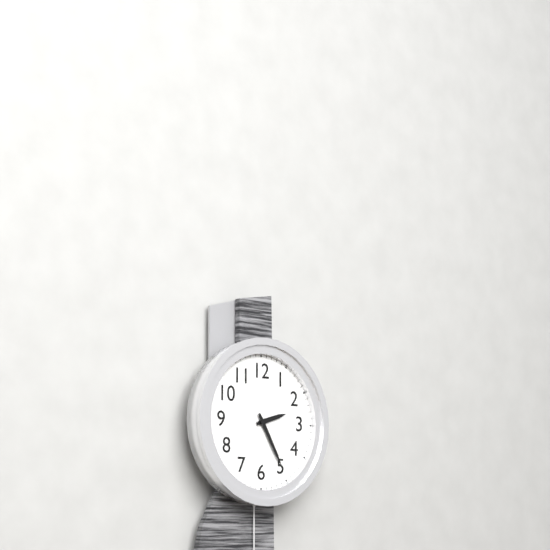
h=2 m=25
